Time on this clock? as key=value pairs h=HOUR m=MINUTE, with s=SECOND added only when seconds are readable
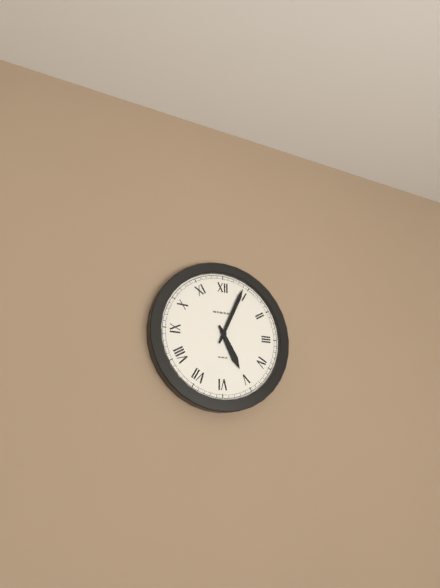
h=5 m=4
